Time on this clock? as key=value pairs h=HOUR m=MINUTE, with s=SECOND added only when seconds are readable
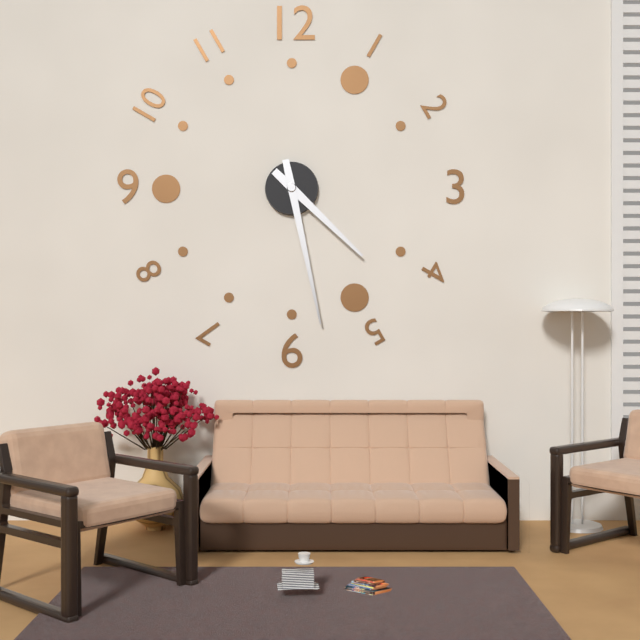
h=4 m=28
